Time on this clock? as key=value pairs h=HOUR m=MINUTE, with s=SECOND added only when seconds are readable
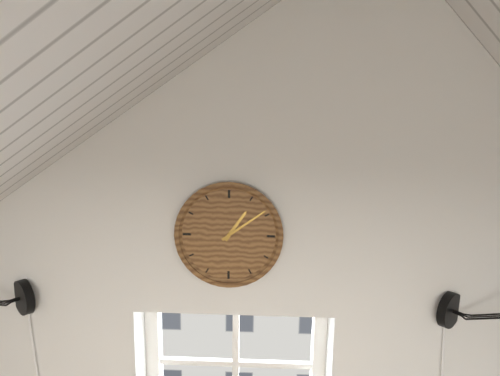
h=1 m=9
